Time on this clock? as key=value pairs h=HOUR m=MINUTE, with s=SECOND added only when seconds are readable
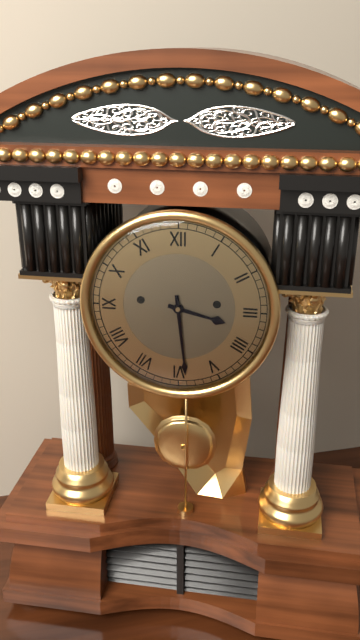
h=3 m=29
